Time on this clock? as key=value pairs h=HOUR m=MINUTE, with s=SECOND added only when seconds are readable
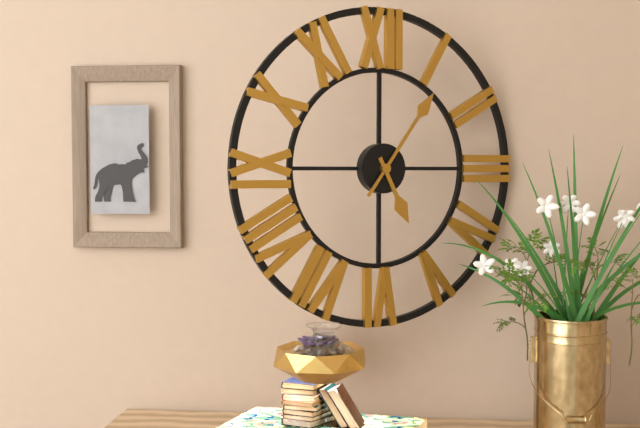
h=5 m=6
